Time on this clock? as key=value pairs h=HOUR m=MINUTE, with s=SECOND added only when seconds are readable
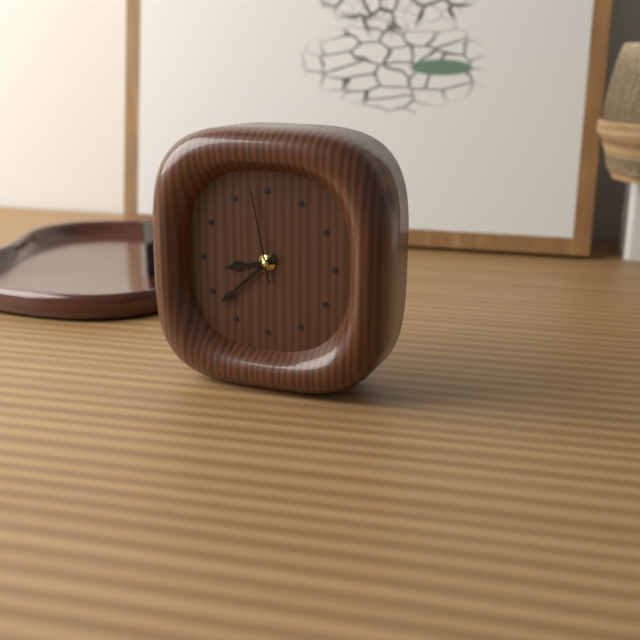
h=8 m=38 s=58
